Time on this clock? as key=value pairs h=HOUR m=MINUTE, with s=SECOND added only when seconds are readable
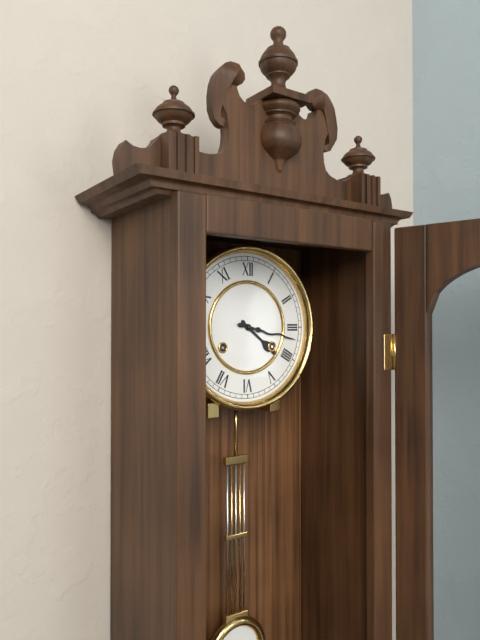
h=4 m=17
